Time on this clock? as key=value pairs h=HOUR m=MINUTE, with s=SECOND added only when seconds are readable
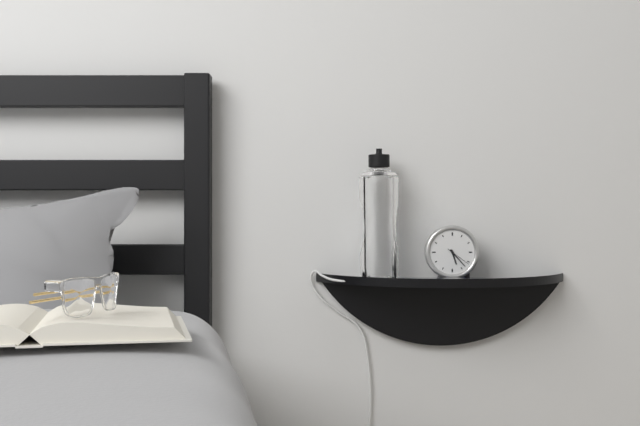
h=5 m=23
